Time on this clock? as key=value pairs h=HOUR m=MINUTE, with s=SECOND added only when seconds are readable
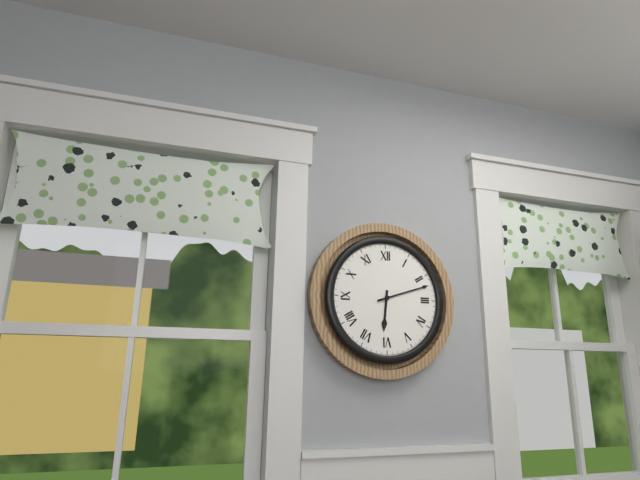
h=6 m=12
